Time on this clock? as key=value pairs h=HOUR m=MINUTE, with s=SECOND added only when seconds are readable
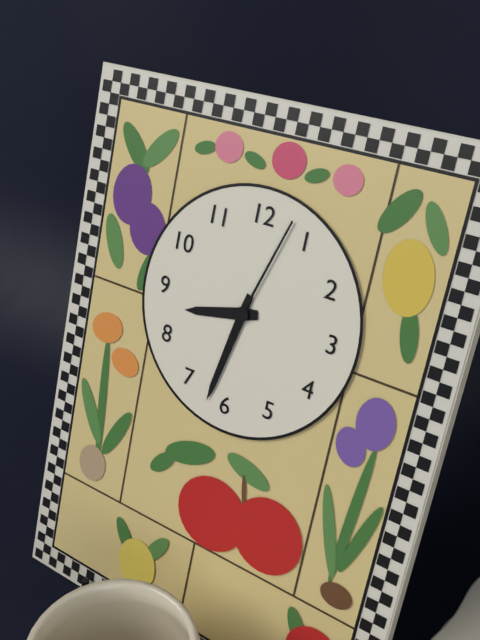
h=8 m=32 s=3
